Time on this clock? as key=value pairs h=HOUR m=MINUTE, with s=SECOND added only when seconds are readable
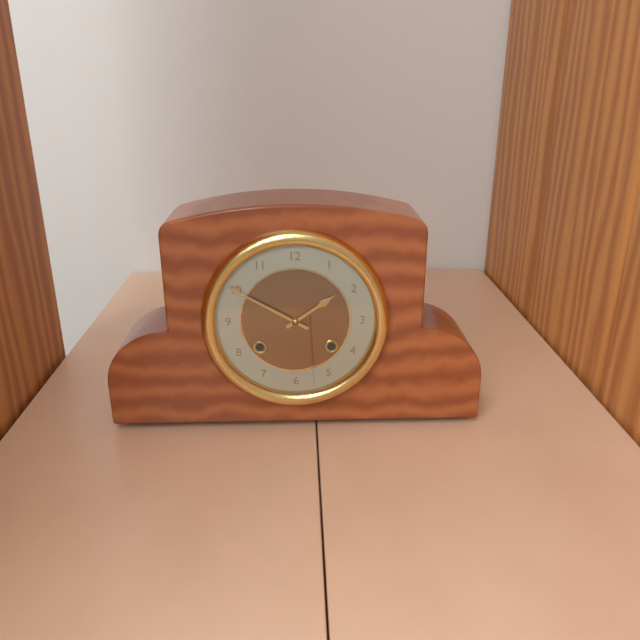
h=1 m=50
